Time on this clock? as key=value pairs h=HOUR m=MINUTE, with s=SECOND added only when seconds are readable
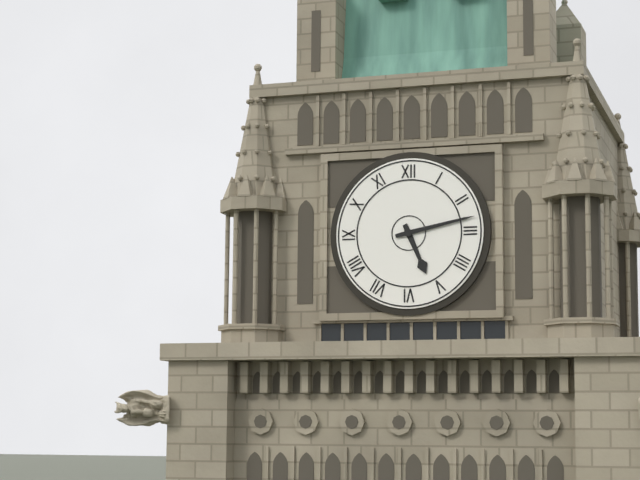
h=5 m=13
